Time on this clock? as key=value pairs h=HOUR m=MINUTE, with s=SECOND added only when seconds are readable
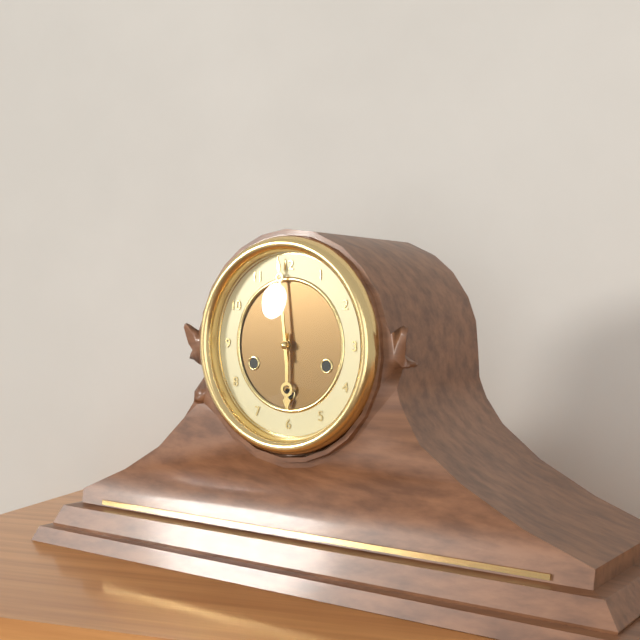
h=5 m=59
